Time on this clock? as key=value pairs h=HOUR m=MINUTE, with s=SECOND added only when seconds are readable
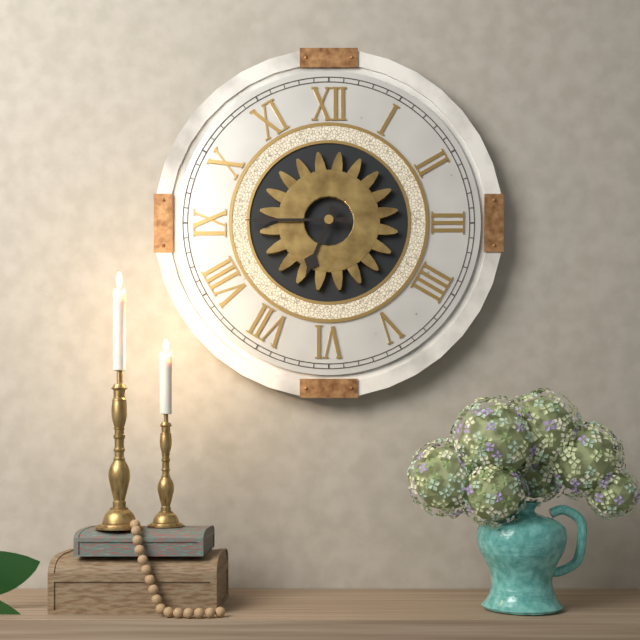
h=6 m=45
